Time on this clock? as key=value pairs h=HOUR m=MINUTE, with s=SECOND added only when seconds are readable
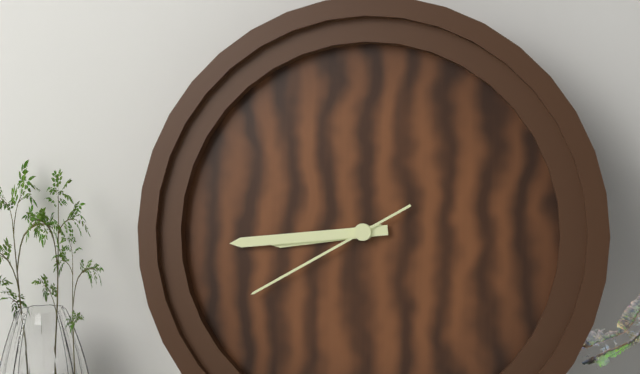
h=8 m=44 s=40
